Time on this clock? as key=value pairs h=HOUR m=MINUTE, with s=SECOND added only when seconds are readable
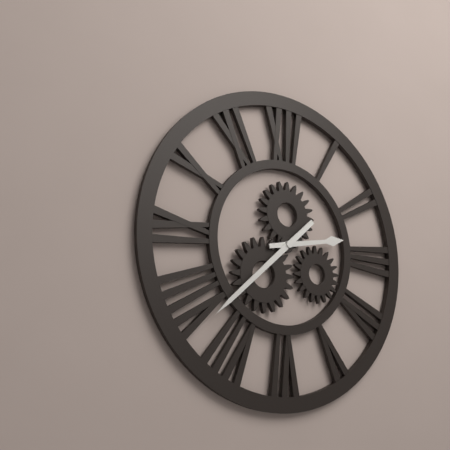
h=2 m=38
